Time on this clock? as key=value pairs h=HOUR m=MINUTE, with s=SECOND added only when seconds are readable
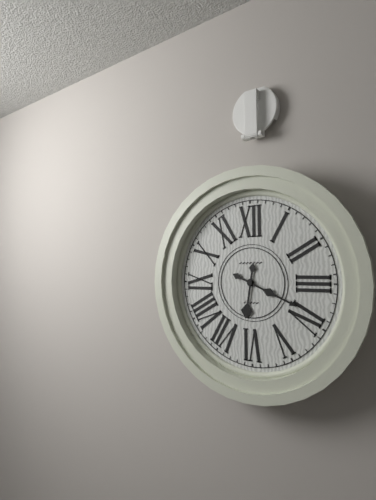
h=6 m=19
